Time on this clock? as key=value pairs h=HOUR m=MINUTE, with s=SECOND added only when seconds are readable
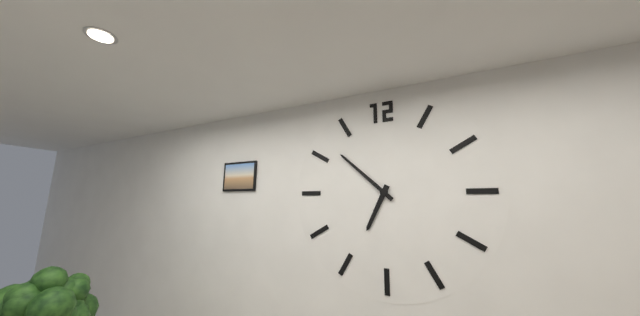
h=6 m=52
